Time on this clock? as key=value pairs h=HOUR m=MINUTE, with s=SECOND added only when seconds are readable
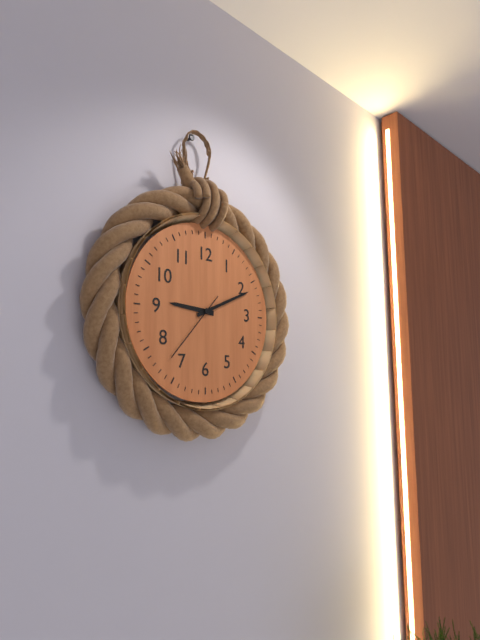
h=9 m=11 s=37
